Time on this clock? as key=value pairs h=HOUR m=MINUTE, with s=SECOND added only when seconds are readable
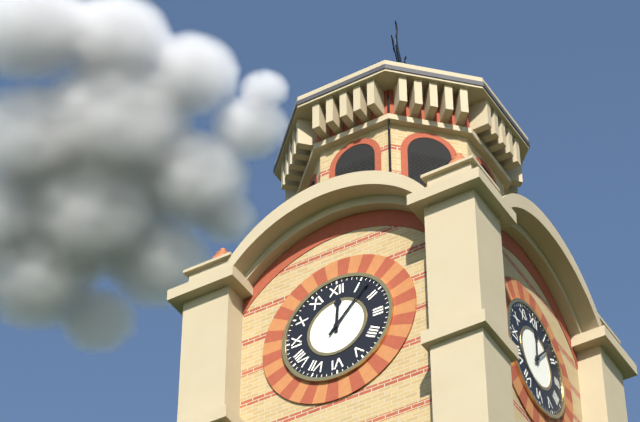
h=12 m=7
